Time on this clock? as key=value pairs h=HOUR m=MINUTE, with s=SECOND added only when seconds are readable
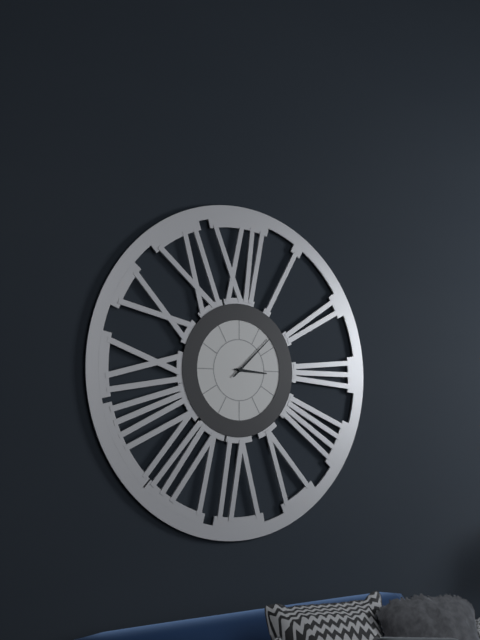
h=3 m=8
